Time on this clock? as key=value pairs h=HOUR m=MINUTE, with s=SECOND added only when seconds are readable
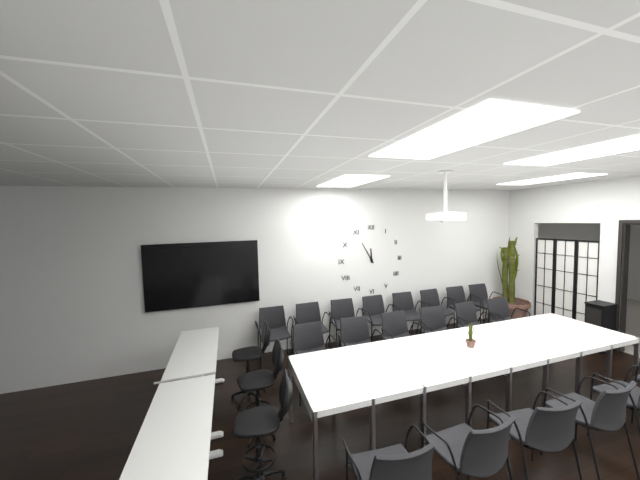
h=11 m=55
